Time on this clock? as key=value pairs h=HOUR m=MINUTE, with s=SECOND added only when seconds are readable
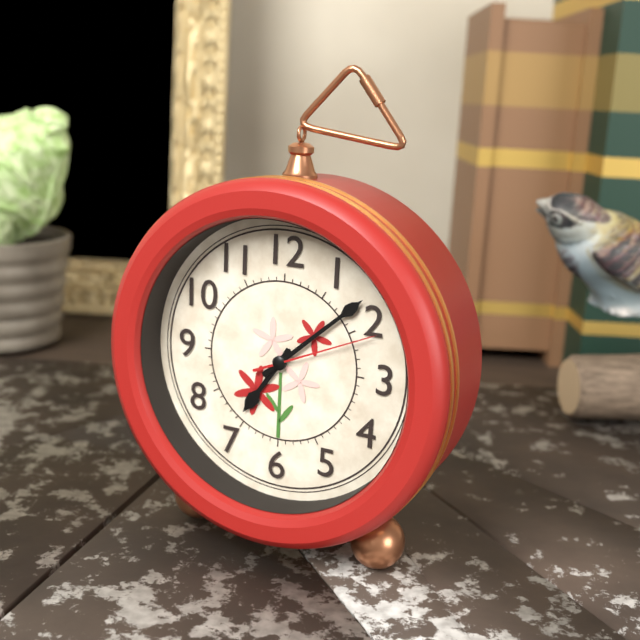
h=7 m=8 s=11
